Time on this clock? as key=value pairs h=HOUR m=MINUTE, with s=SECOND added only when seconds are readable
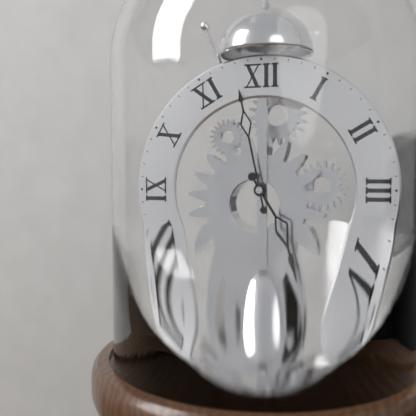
h=4 m=58
